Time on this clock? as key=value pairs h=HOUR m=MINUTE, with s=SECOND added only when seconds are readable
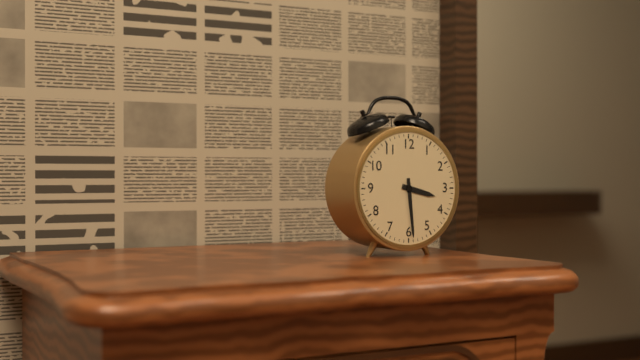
h=3 m=29
